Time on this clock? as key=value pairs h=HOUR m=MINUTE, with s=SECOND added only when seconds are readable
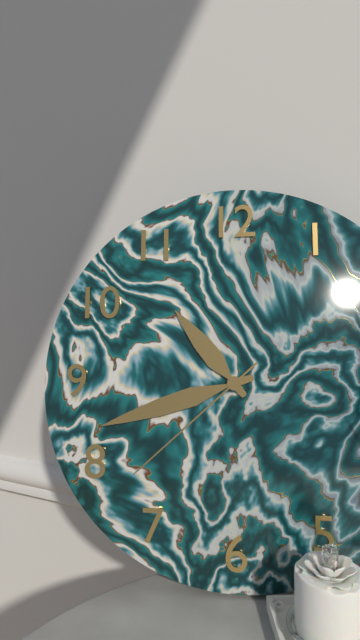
h=10 m=42 s=38
